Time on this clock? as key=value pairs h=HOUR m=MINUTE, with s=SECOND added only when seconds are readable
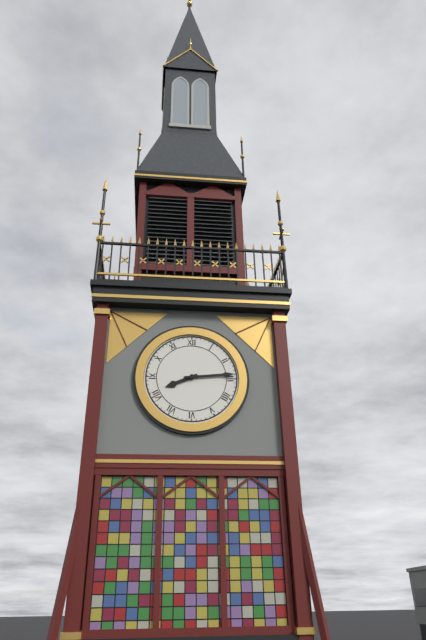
h=8 m=14
